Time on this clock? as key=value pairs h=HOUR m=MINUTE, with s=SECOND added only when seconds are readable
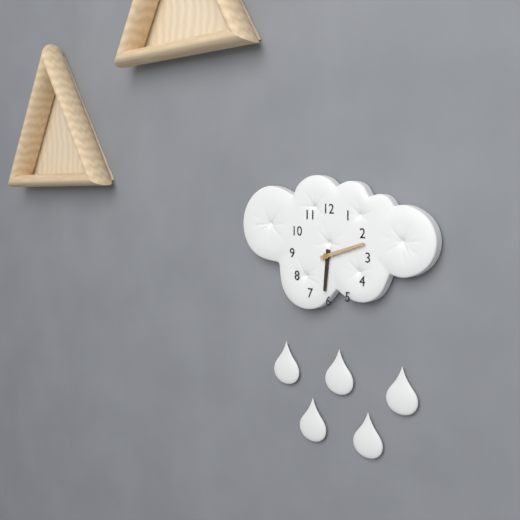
h=6 m=12
